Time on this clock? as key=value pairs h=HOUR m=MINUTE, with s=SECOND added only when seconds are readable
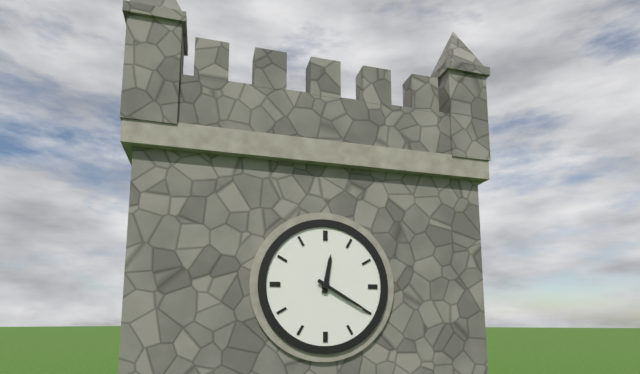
h=12 m=20
